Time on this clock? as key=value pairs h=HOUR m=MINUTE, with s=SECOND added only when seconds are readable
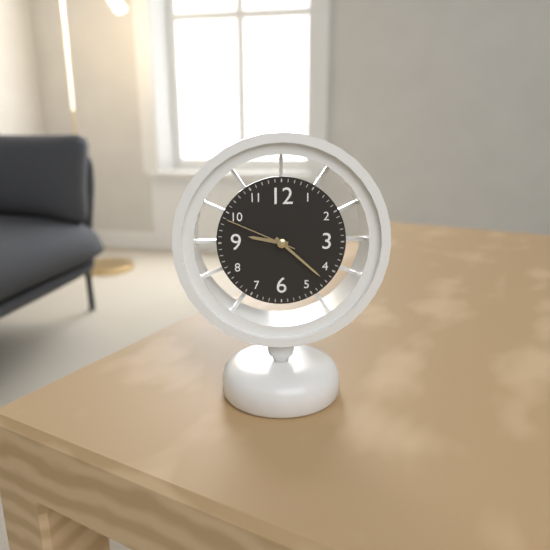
h=9 m=22 s=49
